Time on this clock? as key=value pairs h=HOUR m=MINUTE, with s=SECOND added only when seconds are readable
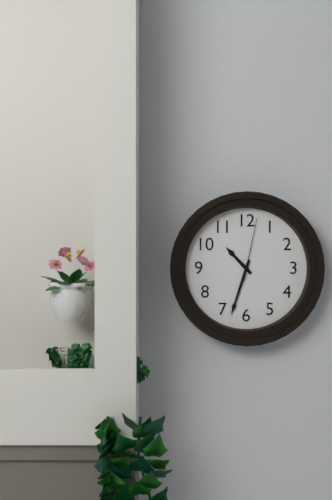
h=10 m=33 s=2
